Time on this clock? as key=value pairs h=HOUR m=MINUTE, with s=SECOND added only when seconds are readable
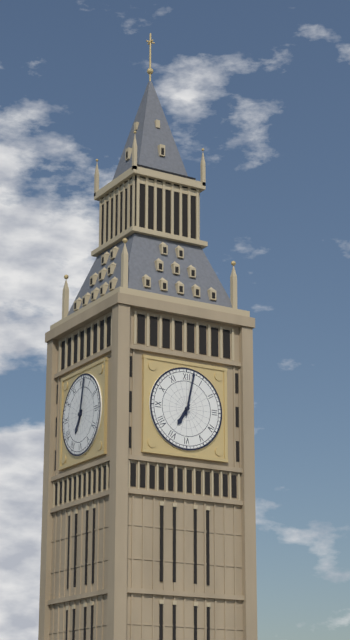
h=7 m=2
